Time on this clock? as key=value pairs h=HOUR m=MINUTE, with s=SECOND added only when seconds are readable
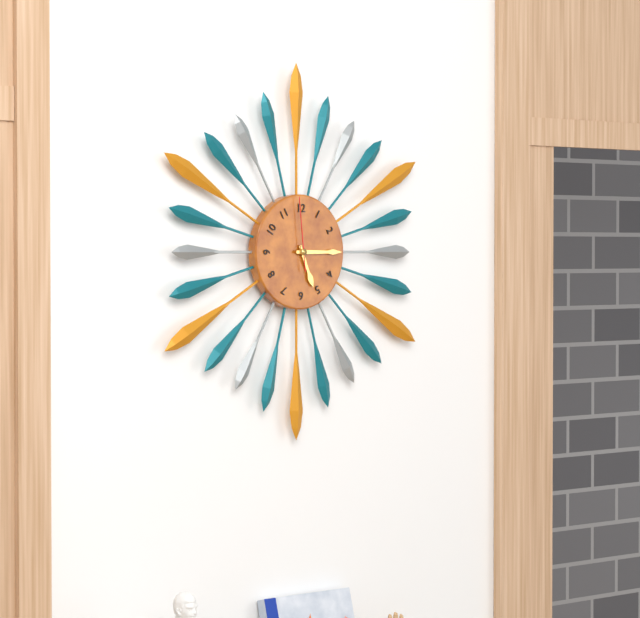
h=5 m=15 s=59
